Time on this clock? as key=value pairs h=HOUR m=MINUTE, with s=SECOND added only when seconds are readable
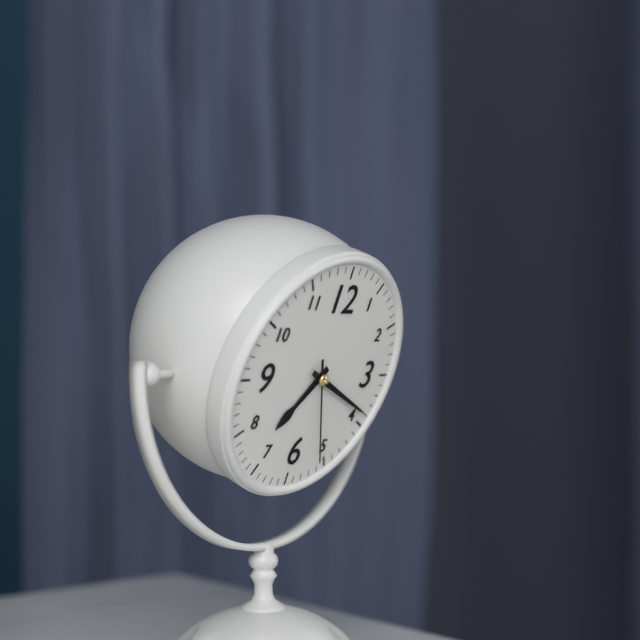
h=7 m=19 s=26
